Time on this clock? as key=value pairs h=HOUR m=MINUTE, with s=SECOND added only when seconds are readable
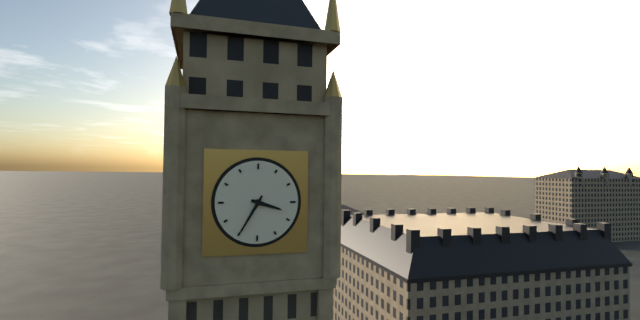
h=3 m=35
